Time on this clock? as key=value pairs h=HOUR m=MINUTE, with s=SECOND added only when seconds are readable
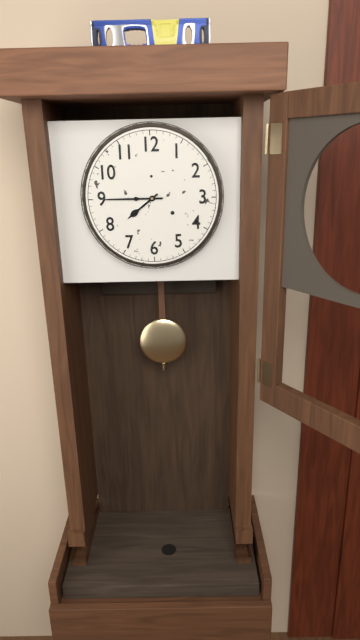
h=7 m=45
